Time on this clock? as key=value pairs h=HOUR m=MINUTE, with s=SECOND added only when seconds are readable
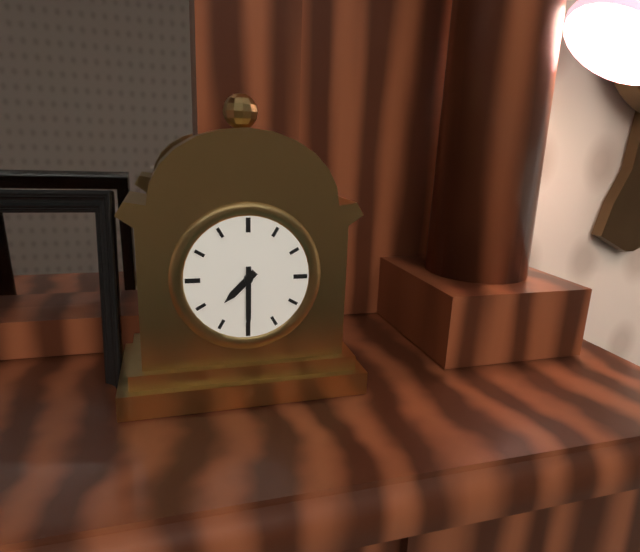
h=7 m=30
